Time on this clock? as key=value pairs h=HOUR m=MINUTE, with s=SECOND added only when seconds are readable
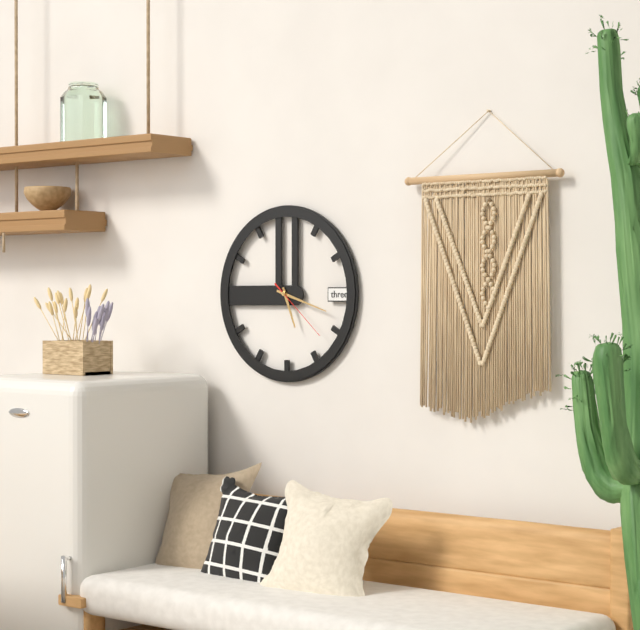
h=5 m=18 s=22
